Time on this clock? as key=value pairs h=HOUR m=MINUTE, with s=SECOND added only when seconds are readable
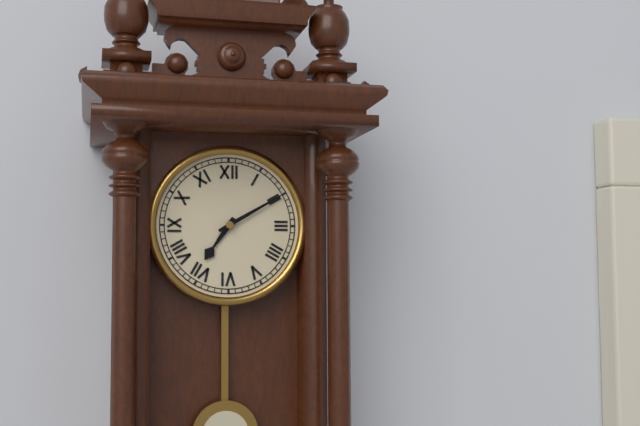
h=7 m=10
